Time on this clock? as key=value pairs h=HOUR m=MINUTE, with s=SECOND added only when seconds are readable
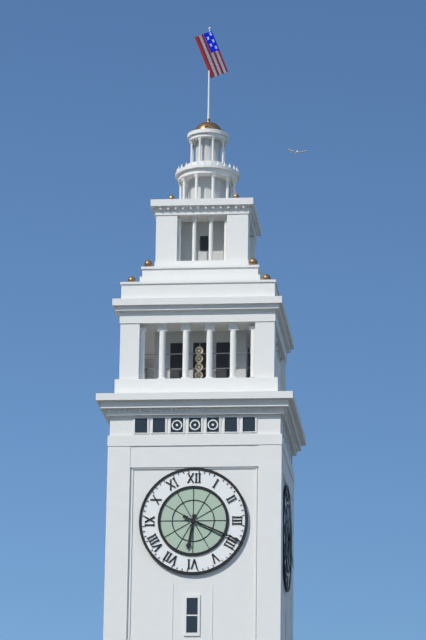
h=6 m=19
